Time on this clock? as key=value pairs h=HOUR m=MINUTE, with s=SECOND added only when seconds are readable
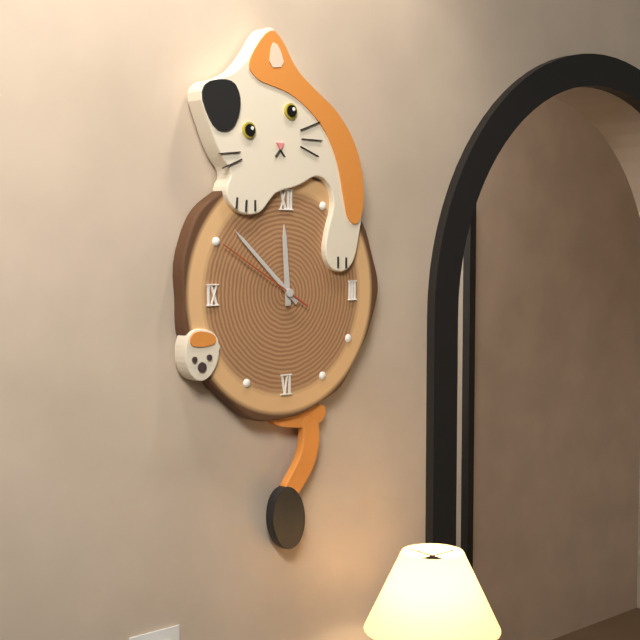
h=11 m=52 s=50
